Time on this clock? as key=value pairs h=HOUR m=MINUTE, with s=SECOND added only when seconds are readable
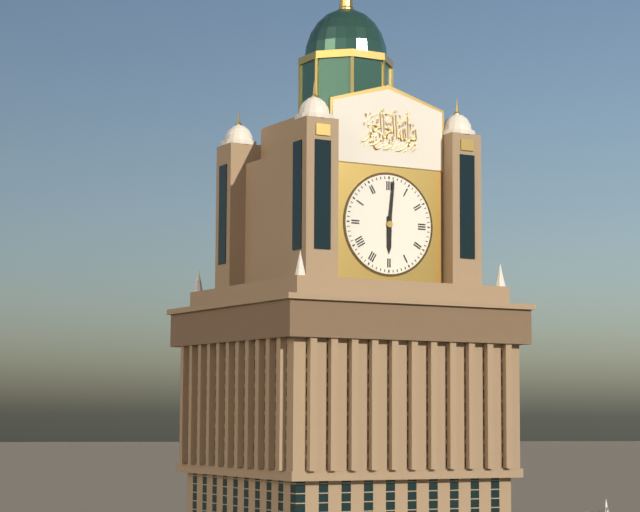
h=6 m=1
